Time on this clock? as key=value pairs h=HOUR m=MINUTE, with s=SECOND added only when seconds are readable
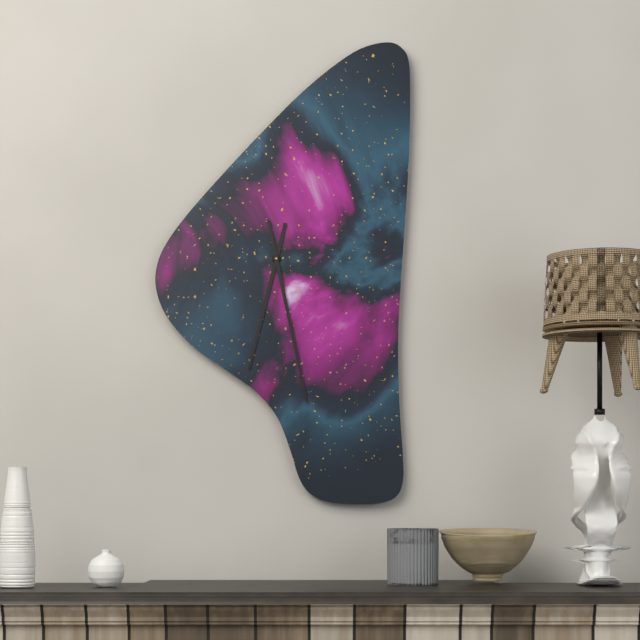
h=6 m=28
